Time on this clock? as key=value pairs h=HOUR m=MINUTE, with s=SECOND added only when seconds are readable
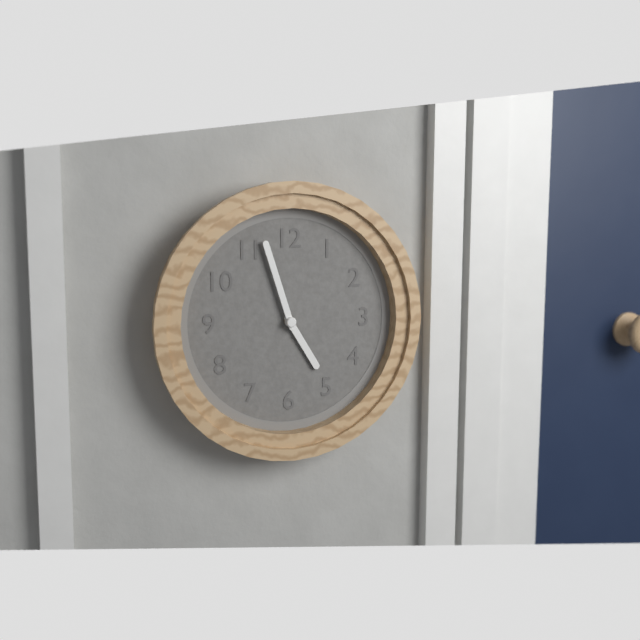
h=4 m=57
